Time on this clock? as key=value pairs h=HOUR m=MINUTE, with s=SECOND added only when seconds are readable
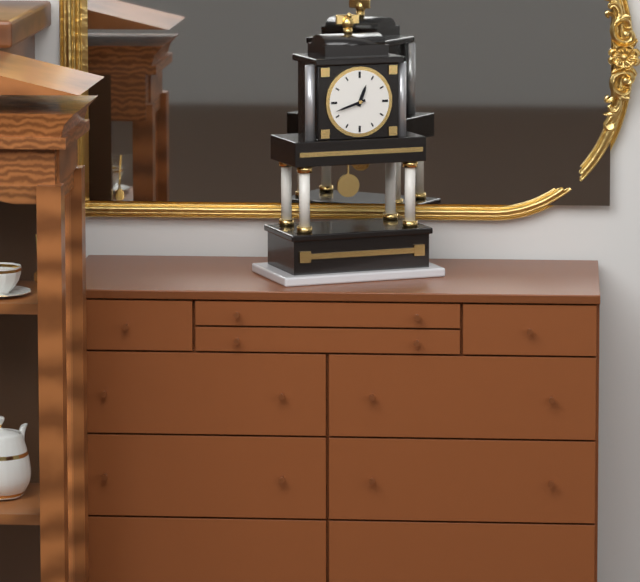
h=12 m=42
